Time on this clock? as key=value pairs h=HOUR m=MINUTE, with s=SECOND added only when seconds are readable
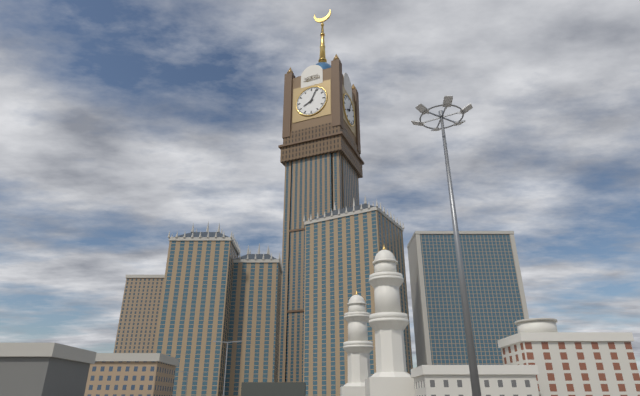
h=8 m=4
